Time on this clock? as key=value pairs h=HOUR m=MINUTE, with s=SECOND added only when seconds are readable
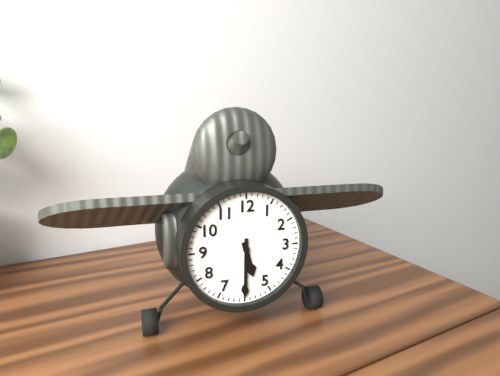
h=5 m=30
